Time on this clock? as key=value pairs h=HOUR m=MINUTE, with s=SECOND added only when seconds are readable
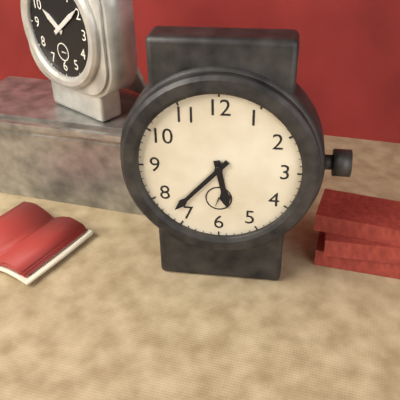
h=5 m=37
